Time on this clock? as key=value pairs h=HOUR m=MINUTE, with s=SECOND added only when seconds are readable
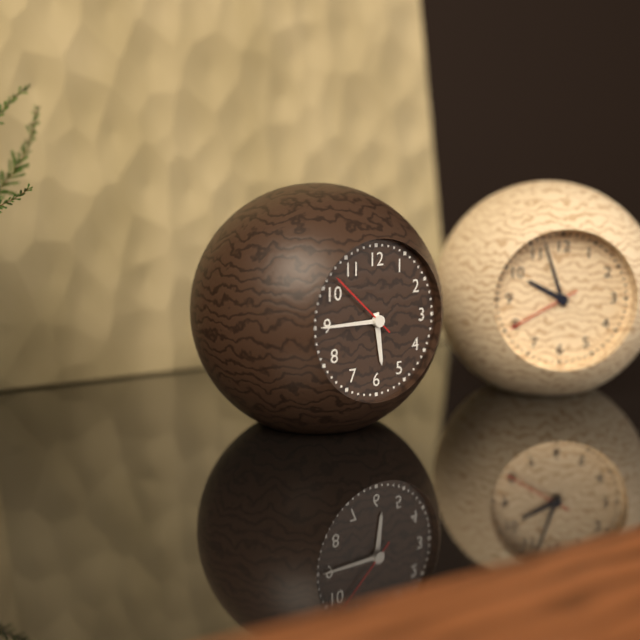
h=5 m=45 s=52
